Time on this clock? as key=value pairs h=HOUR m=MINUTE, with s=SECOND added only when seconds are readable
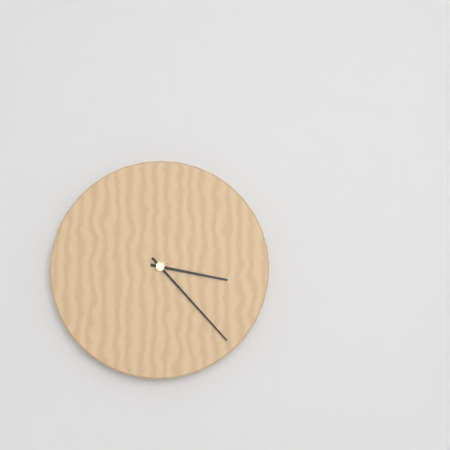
h=3 m=23
